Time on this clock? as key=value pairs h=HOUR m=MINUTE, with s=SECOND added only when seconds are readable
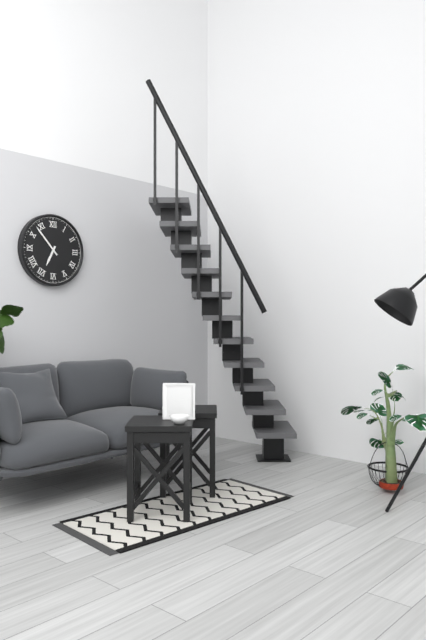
h=6 m=53
